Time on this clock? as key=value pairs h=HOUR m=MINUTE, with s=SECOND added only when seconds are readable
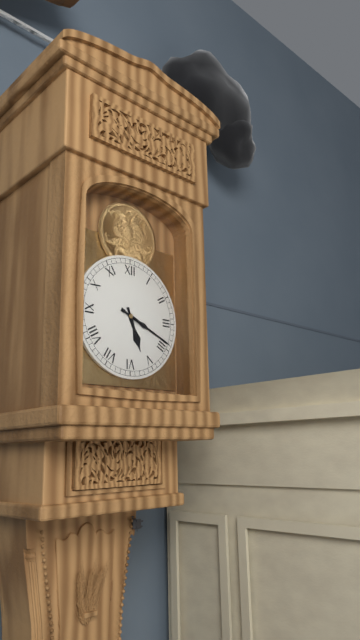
h=5 m=19
